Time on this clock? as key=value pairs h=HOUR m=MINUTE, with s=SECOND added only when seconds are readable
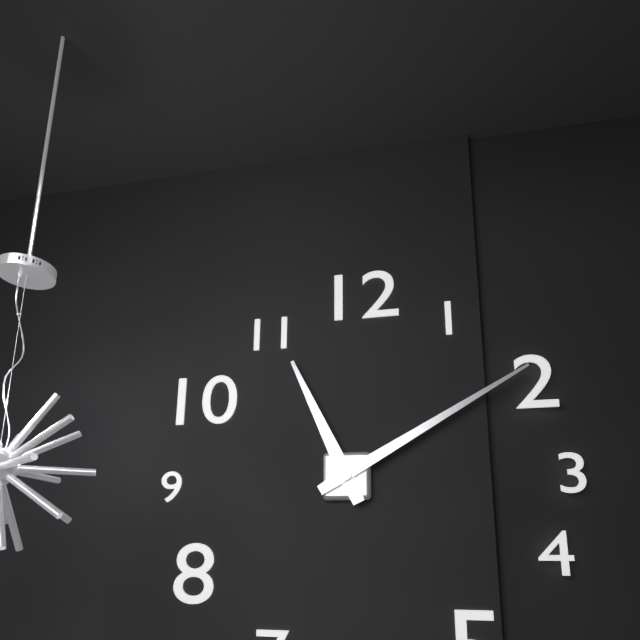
h=11 m=10
